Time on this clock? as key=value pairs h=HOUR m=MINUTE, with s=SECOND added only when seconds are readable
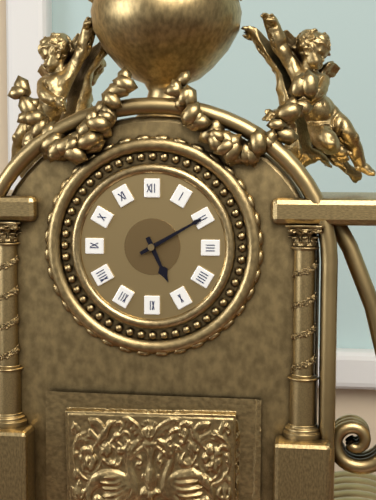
h=5 m=10
